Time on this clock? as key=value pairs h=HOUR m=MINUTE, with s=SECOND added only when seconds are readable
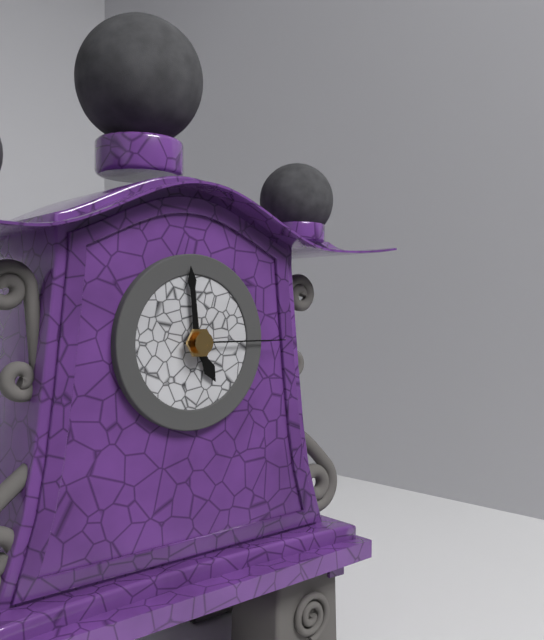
h=4 m=59 s=15
